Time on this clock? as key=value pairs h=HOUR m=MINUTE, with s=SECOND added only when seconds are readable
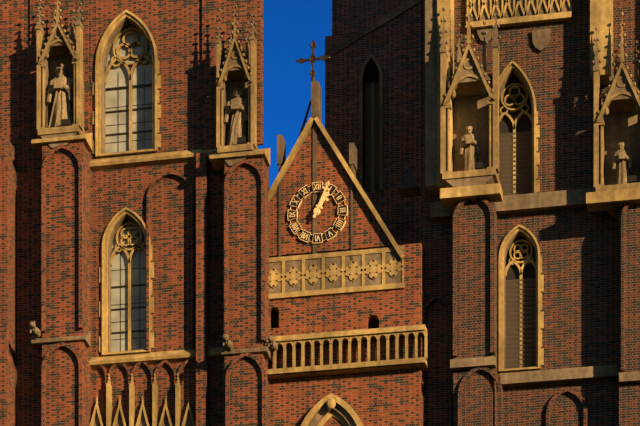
h=1 m=4
